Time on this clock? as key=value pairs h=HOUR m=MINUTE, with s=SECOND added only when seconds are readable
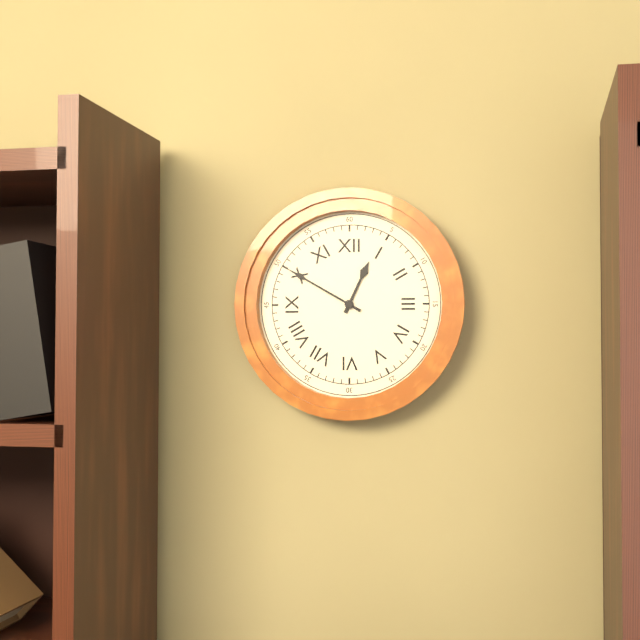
h=12 m=50
